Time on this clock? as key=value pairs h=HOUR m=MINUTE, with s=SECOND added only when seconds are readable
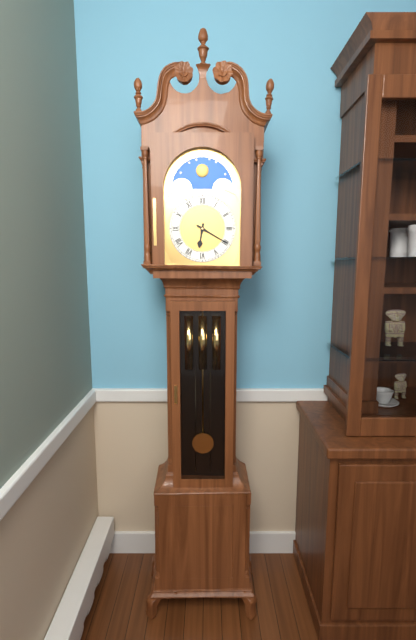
h=6 m=20
